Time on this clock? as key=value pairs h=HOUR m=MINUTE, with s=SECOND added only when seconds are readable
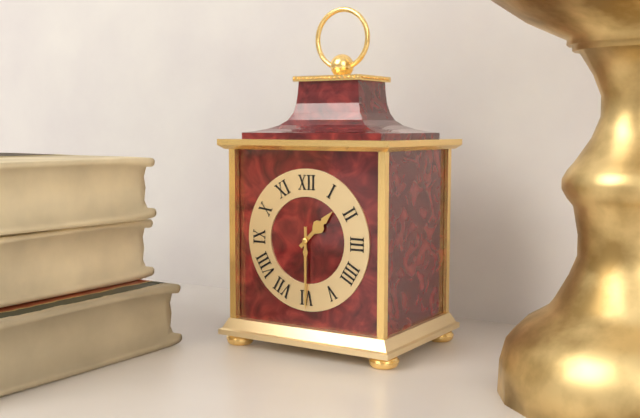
h=1 m=30
